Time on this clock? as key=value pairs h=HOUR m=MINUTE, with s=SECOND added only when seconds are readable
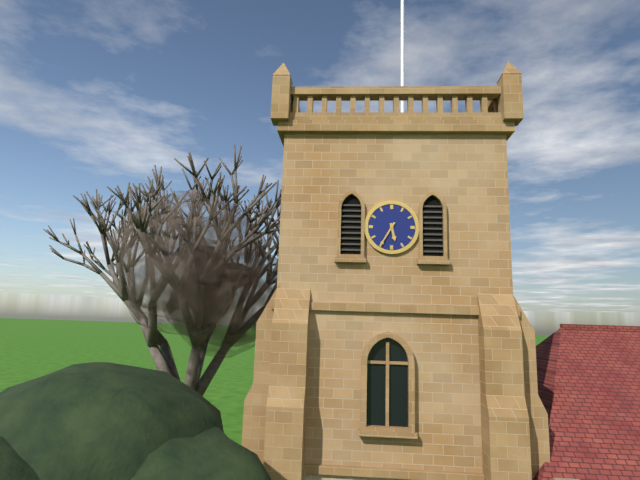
h=5 m=35
